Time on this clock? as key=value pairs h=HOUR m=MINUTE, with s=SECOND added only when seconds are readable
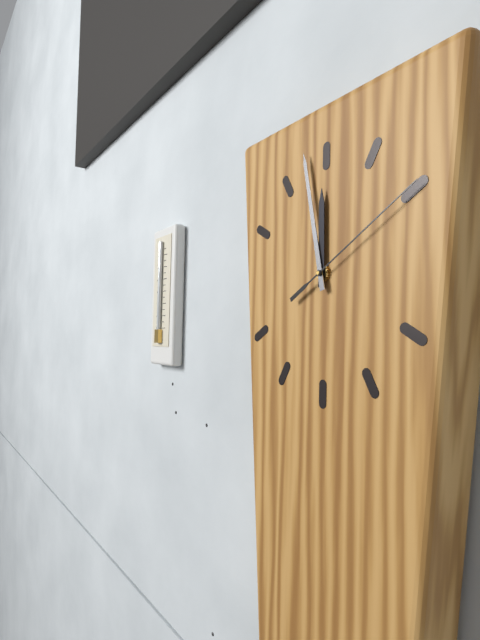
h=11 m=58 s=10
